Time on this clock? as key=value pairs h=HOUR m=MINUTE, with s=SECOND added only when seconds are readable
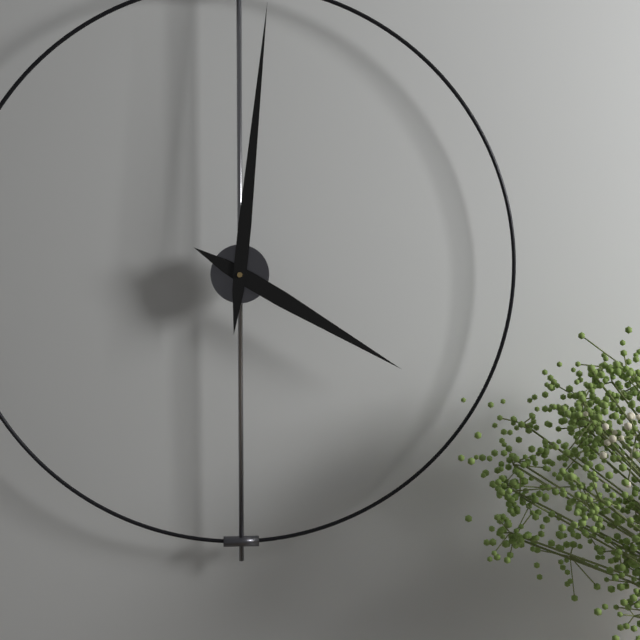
h=4 m=1
